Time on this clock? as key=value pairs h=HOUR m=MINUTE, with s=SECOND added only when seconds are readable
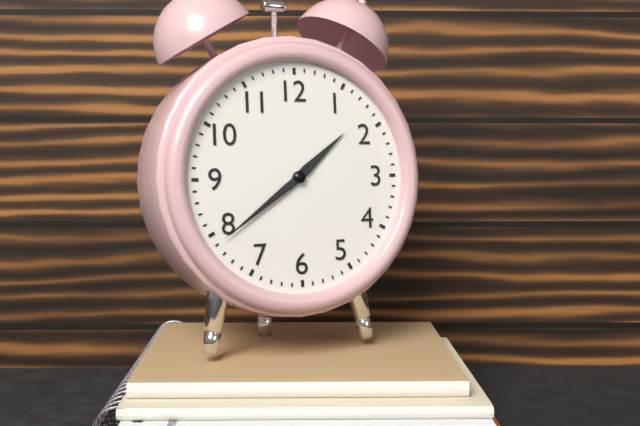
h=1 m=39
